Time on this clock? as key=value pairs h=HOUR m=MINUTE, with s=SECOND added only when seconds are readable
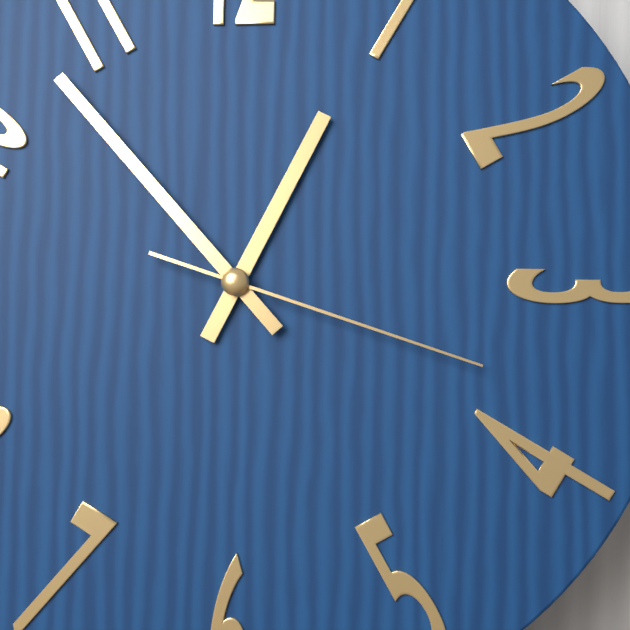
h=12 m=53 s=18
